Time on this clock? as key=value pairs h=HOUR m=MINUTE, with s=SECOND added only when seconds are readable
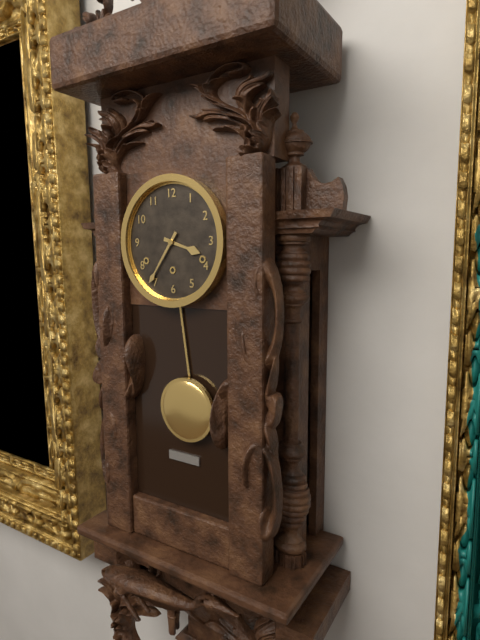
h=3 m=36
